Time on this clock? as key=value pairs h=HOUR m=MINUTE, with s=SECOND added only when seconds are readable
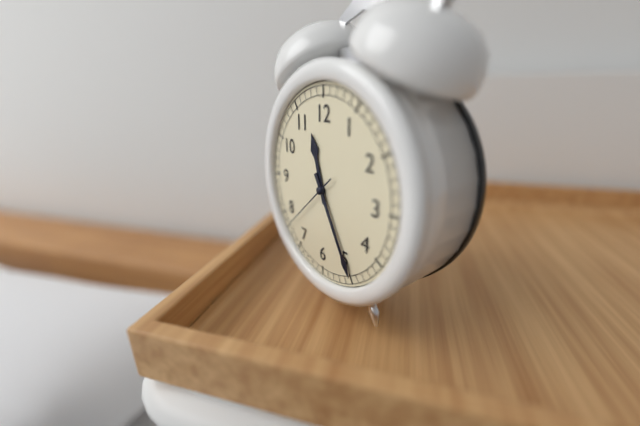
h=11 m=25 s=38
